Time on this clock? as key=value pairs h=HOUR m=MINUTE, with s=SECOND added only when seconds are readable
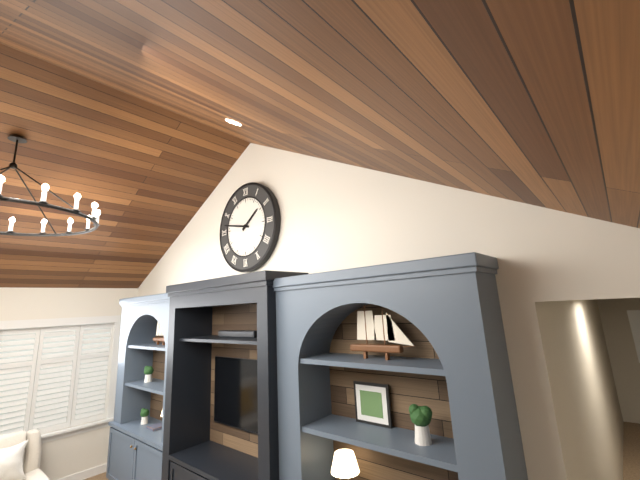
h=1 m=47
